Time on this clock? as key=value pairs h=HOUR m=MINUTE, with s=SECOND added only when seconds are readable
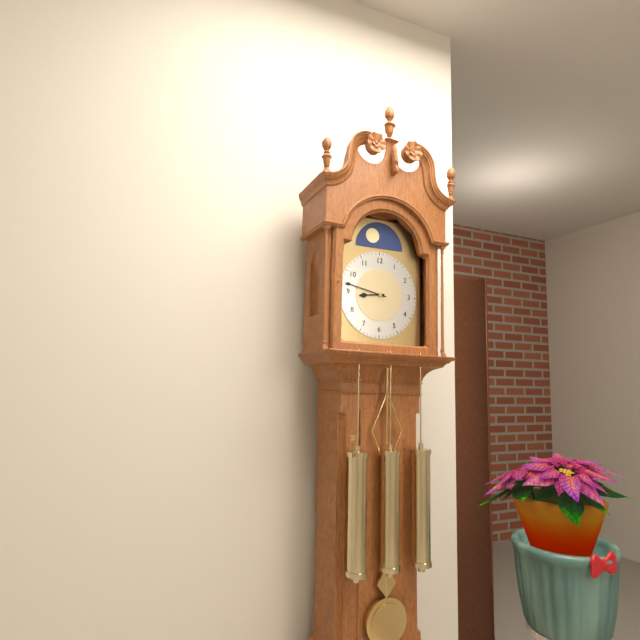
h=8 m=47
